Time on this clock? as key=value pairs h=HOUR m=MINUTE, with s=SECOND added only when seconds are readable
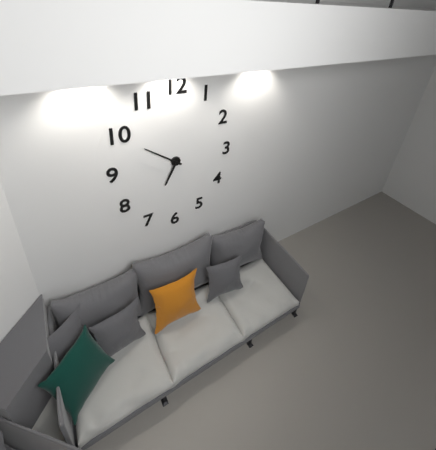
h=6 m=51
